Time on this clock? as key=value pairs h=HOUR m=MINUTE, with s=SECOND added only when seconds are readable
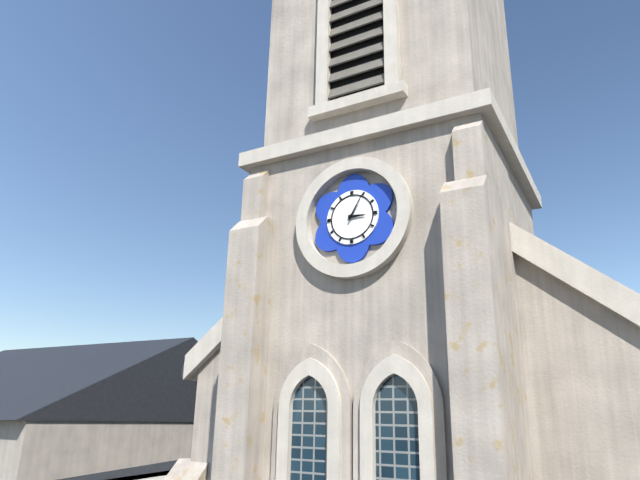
h=3 m=5
